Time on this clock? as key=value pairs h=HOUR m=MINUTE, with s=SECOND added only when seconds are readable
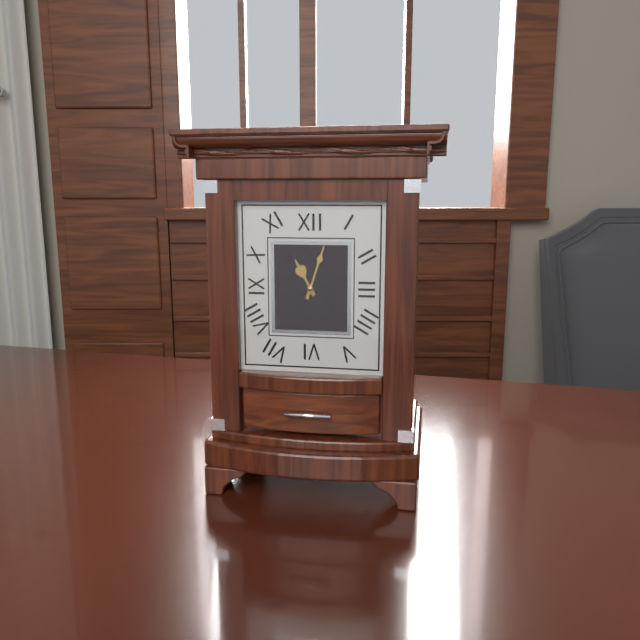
h=11 m=3
